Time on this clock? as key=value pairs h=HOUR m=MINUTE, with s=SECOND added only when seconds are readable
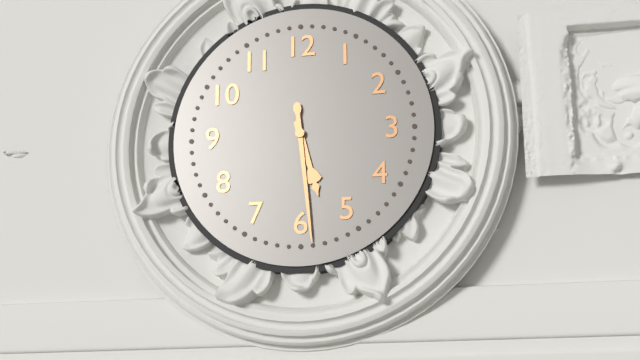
h=5 m=29
